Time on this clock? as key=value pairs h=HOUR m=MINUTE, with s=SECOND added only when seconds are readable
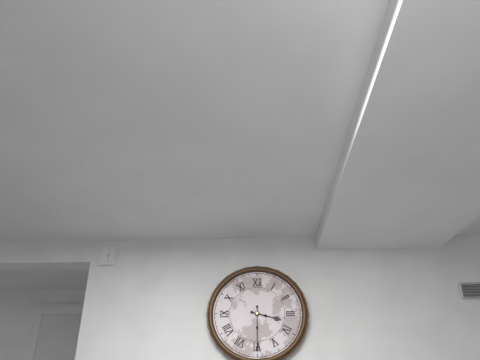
h=3 m=30
